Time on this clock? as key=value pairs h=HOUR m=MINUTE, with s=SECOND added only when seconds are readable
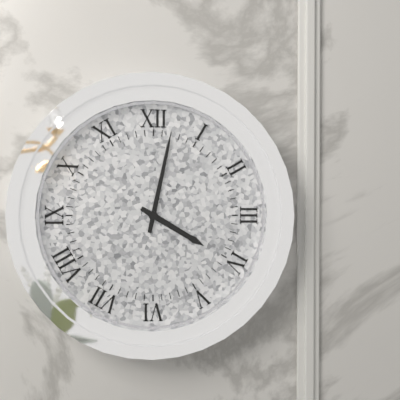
h=4 m=2
